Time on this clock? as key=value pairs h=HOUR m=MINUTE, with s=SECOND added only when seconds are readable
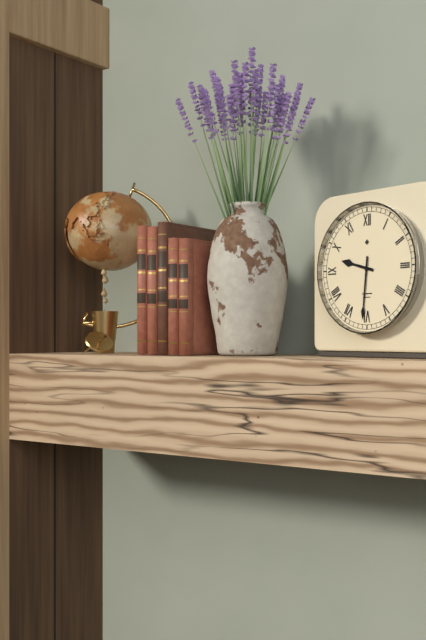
h=9 m=31
